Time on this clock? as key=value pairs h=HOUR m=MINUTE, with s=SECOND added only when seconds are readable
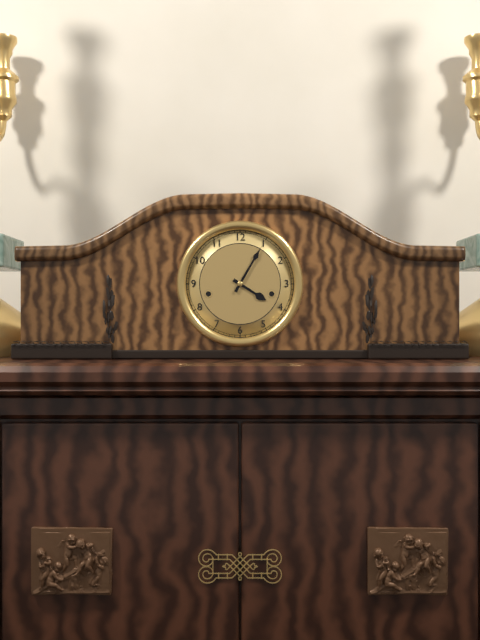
h=4 m=5
